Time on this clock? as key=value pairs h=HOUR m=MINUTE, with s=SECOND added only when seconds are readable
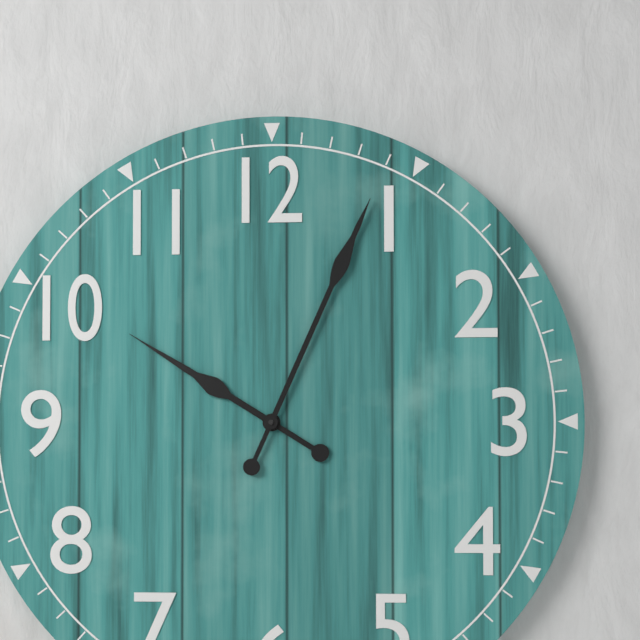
h=10 m=4
